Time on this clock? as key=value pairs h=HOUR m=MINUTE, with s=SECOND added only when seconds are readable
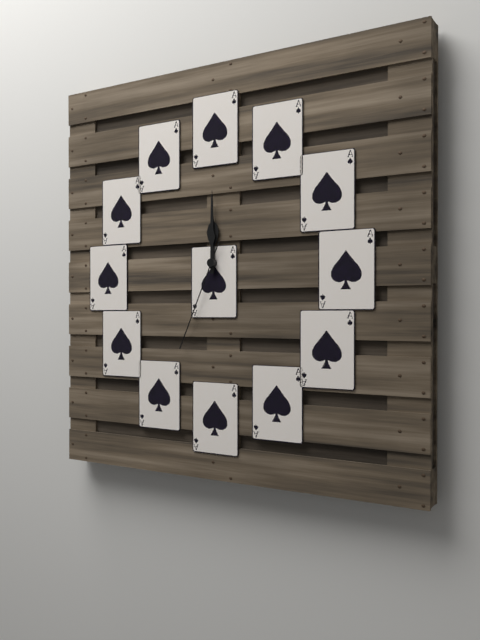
h=12 m=0 s=34
